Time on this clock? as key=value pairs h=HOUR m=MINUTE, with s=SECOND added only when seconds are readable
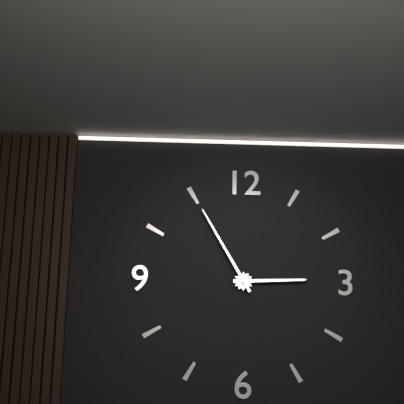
h=2 m=55
